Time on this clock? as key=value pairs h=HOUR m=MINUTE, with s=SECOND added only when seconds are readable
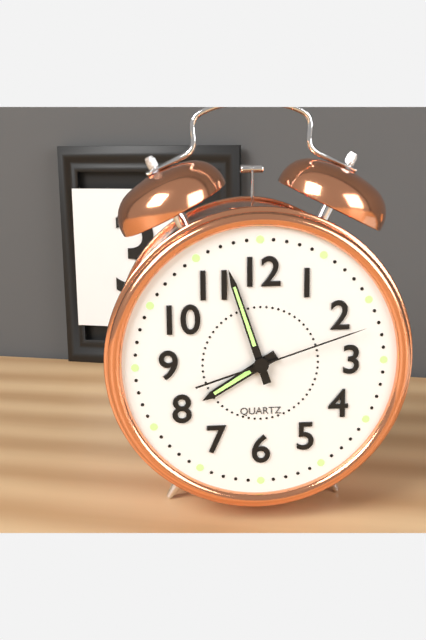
h=7 m=57 s=12
